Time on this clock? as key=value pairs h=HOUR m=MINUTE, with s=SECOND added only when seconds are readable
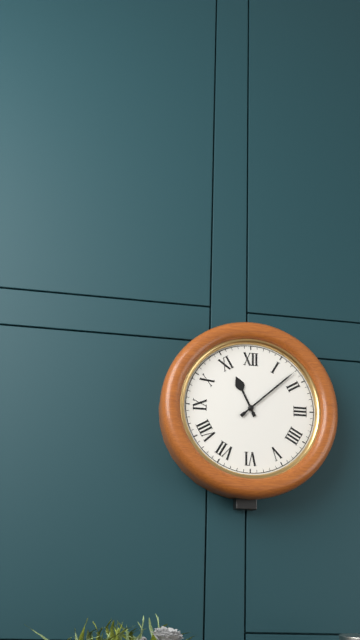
h=11 m=8
